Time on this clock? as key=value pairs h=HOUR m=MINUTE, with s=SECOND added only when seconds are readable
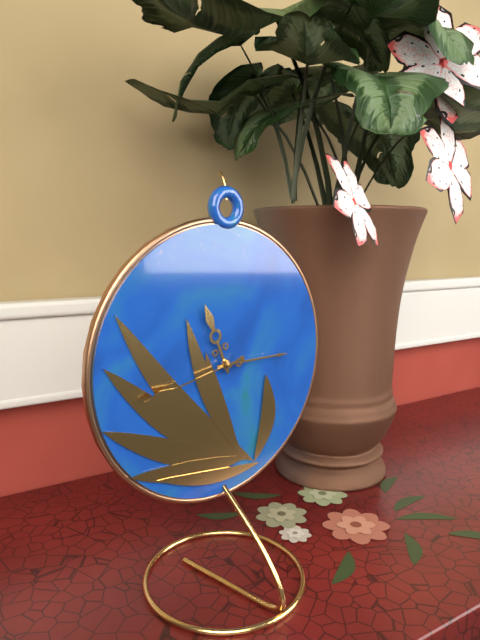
h=11 m=15 s=43
